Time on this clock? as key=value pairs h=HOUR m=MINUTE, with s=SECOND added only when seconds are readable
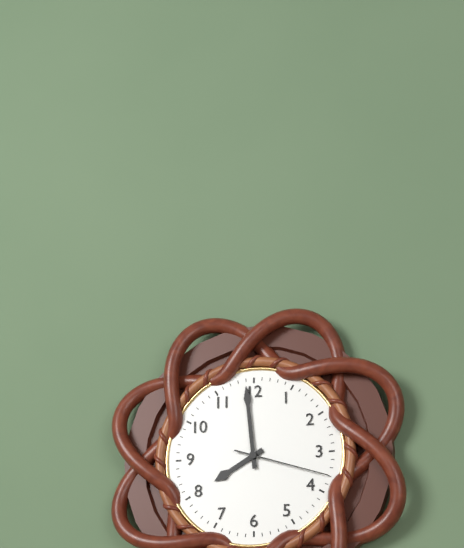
h=7 m=59 s=18
